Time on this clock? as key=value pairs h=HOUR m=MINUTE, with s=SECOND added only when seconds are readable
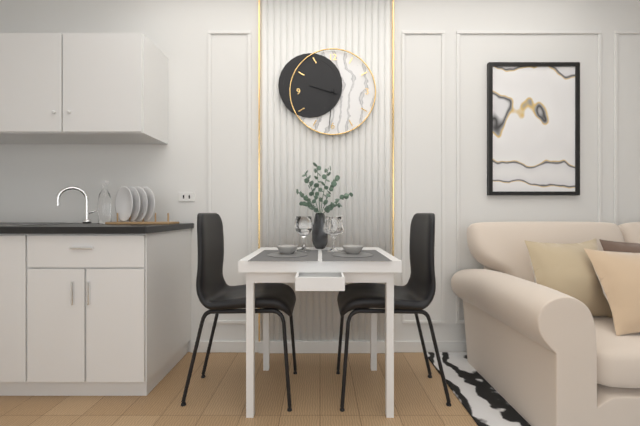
h=9 m=31
